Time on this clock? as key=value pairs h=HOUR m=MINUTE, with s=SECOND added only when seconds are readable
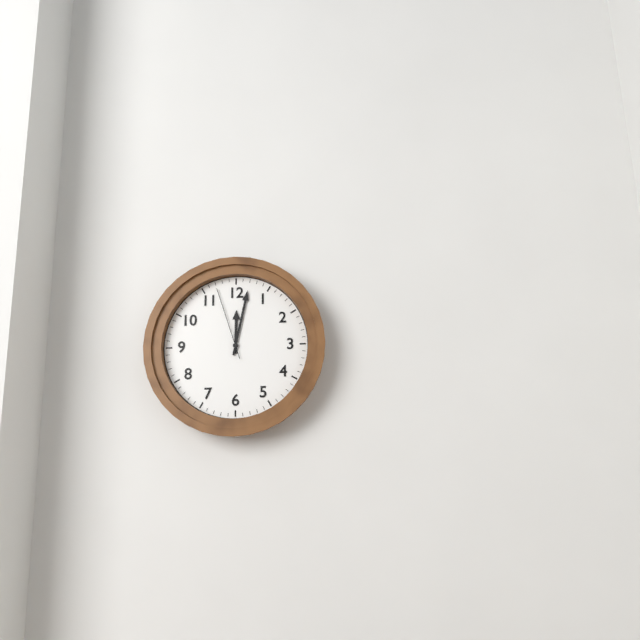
h=12 m=2 s=57
